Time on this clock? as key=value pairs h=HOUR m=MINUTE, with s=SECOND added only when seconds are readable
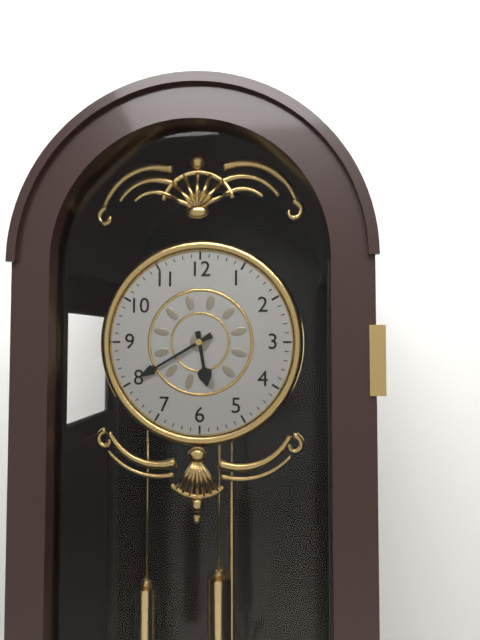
h=5 m=40
